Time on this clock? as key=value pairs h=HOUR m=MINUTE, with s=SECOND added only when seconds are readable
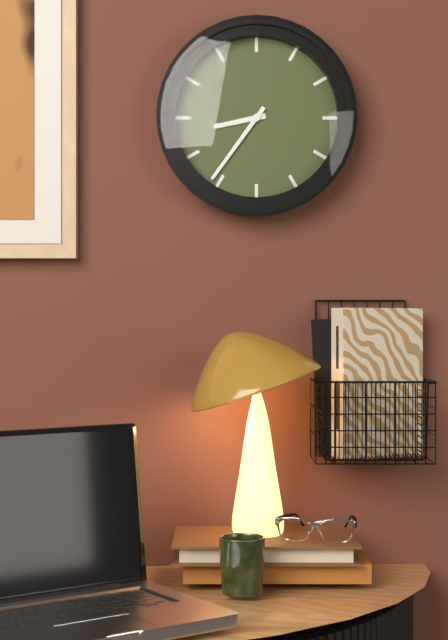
h=8 m=36
